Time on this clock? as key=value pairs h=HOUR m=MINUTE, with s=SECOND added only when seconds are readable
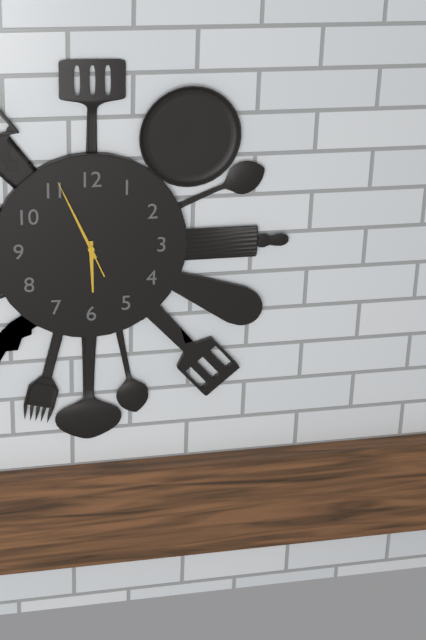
h=5 m=56 s=56
